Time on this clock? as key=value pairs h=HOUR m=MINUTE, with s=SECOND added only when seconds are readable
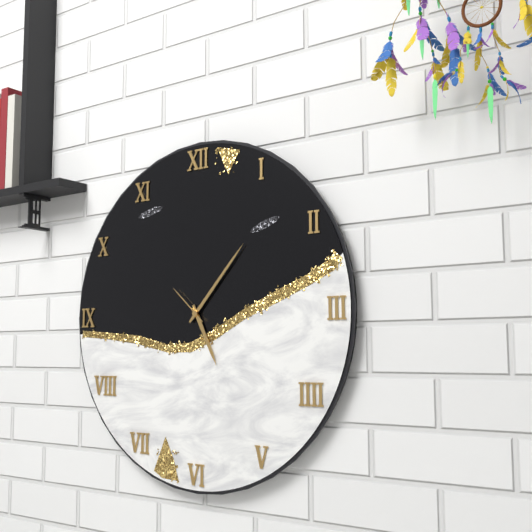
h=5 m=7 s=52
